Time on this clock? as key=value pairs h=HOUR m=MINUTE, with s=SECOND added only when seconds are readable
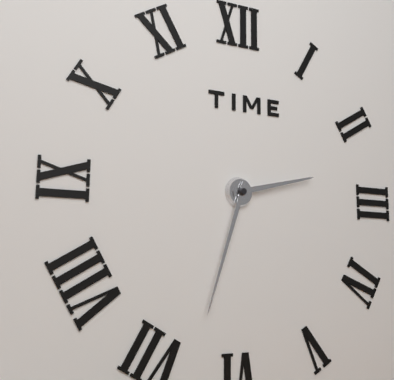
h=2 m=33
